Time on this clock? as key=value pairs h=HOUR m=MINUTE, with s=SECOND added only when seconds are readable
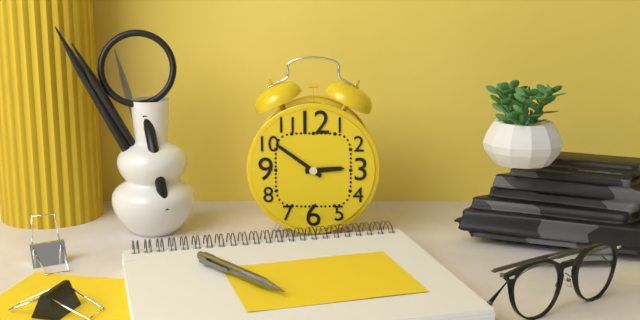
h=2 m=51
